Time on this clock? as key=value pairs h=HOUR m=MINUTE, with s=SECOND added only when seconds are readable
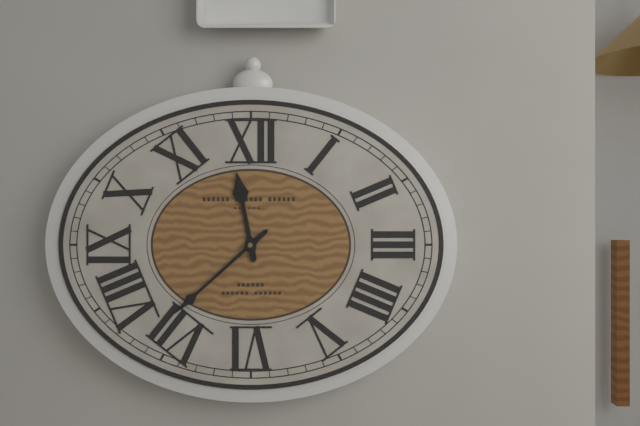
h=11 m=38
